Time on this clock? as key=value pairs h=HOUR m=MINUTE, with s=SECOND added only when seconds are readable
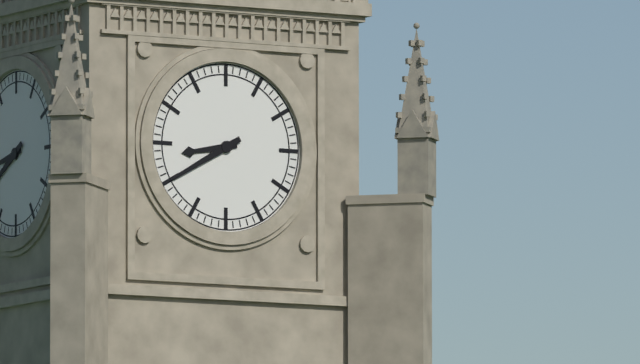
h=8 m=40
